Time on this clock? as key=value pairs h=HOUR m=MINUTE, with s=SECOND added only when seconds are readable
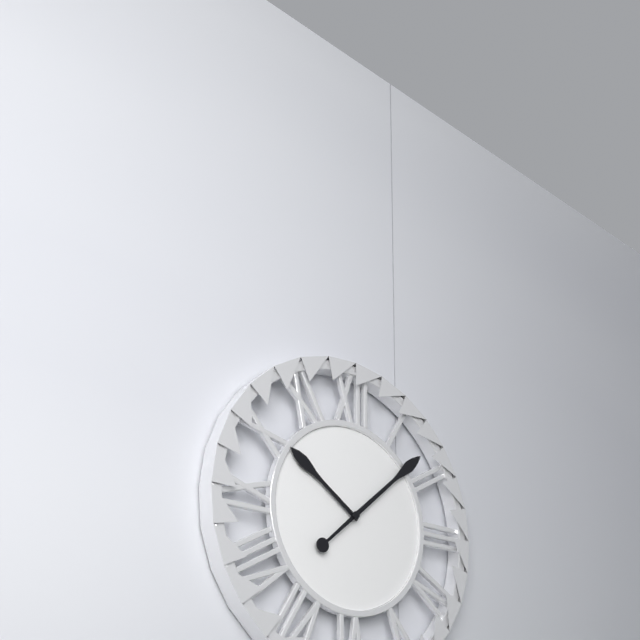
h=10 m=8
